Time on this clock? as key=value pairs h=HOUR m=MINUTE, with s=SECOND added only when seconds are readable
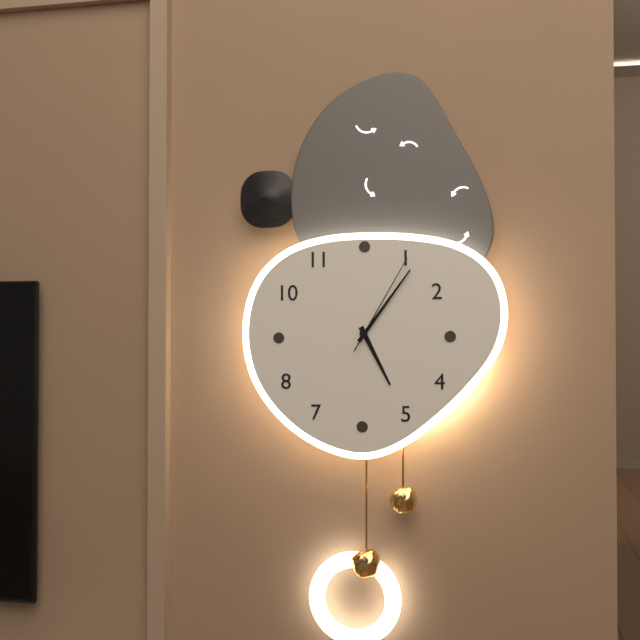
h=5 m=6 s=5
